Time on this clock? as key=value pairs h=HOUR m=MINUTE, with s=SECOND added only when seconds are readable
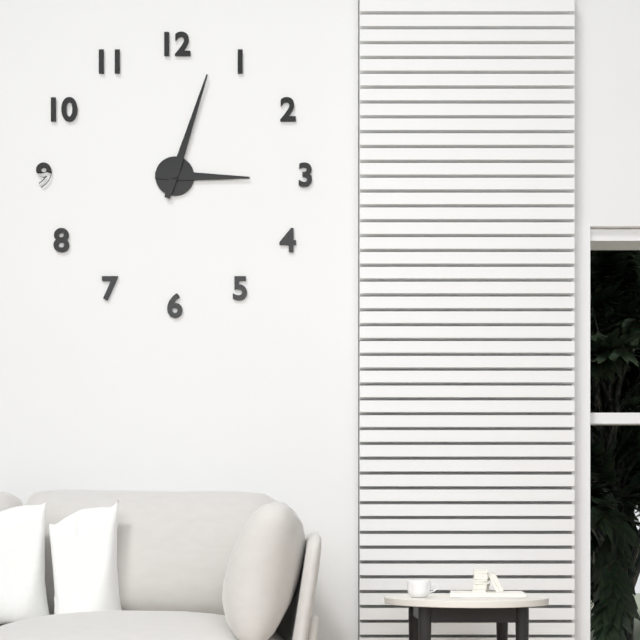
h=3 m=3
